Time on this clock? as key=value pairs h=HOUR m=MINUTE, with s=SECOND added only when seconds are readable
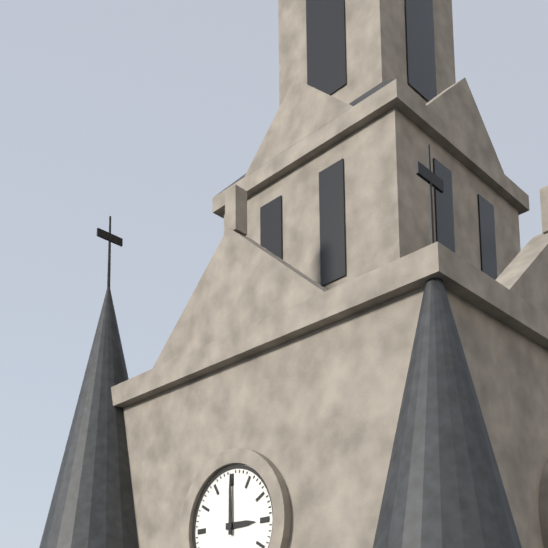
h=3 m=0
